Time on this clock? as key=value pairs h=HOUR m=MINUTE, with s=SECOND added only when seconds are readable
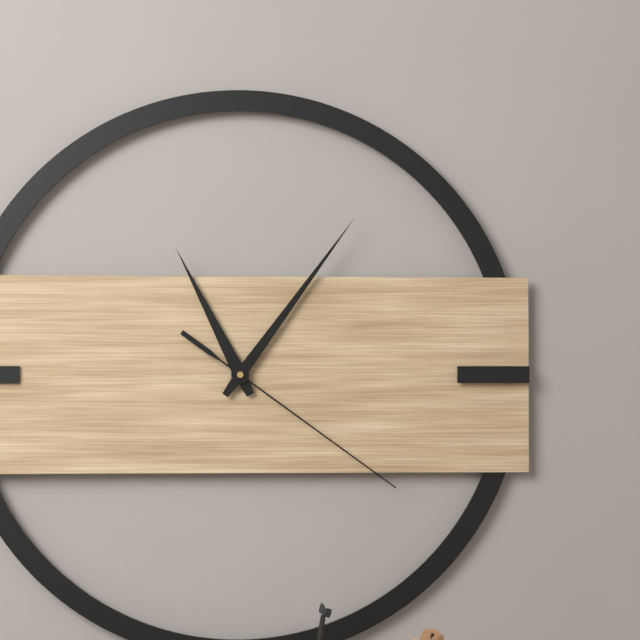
h=11 m=6 s=21
